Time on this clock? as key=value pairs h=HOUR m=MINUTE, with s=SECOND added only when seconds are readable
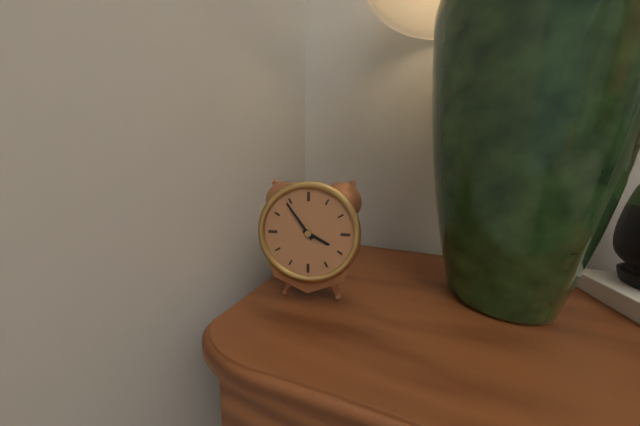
h=3 m=54
